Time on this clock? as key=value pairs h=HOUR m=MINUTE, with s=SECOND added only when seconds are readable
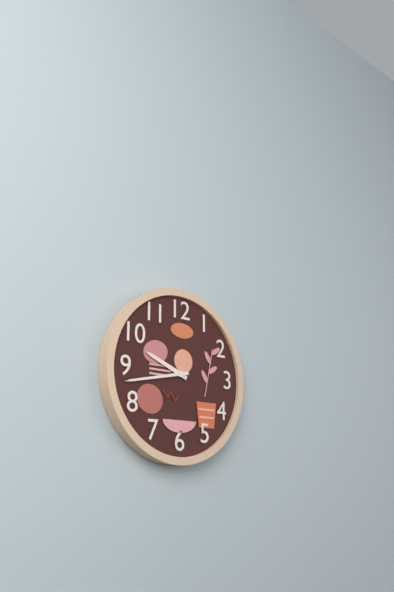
h=9 m=43
